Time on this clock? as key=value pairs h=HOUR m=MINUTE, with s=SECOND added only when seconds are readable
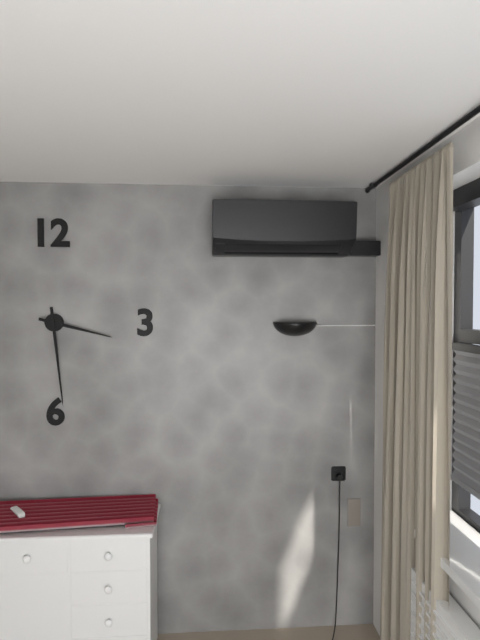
h=3 m=29
